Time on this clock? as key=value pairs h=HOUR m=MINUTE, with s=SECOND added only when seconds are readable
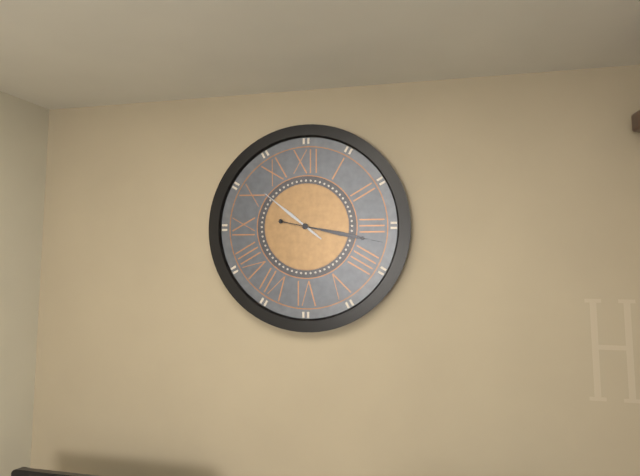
h=10 m=17
